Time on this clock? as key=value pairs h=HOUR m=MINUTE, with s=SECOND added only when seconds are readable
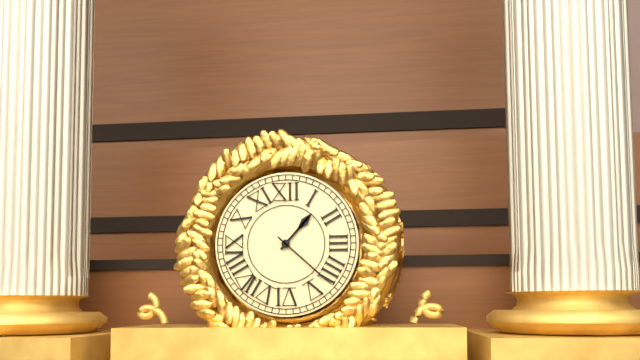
h=1 m=22
